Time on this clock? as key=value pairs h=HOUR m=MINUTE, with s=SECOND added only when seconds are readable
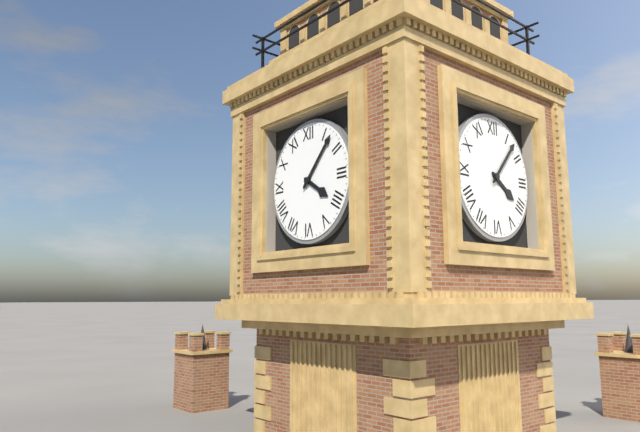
h=4 m=7
